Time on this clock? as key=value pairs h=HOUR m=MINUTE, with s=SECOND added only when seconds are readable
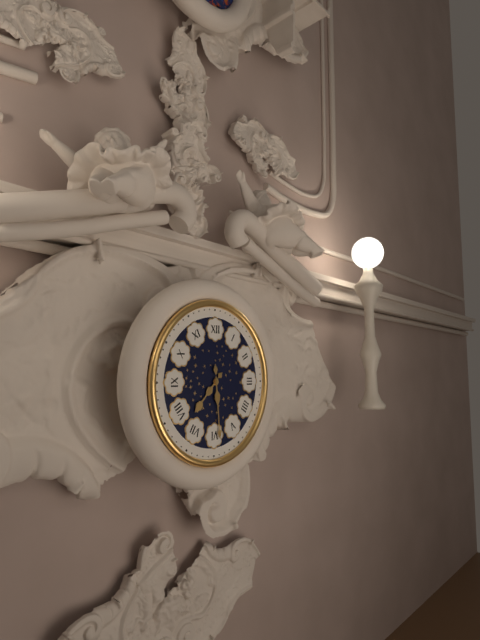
h=7 m=29
